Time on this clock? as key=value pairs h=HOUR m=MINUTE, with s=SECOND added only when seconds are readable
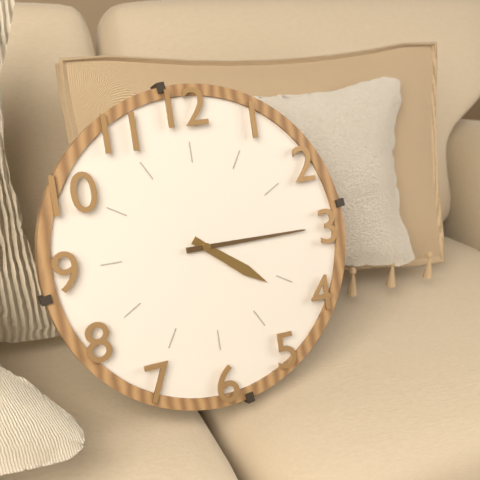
h=4 m=15
